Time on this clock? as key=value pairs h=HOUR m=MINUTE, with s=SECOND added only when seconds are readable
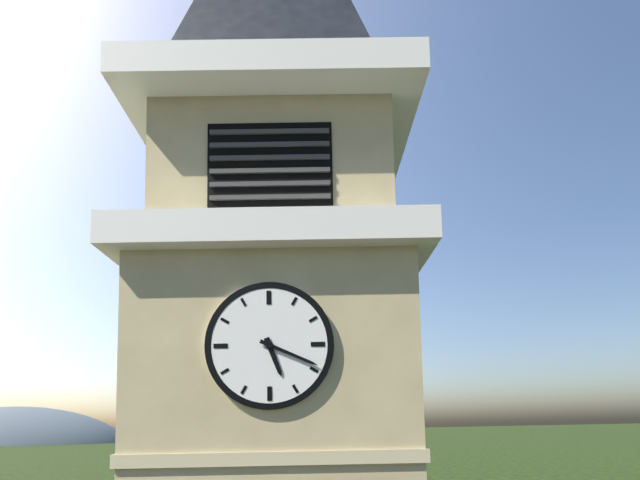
h=5 m=19
